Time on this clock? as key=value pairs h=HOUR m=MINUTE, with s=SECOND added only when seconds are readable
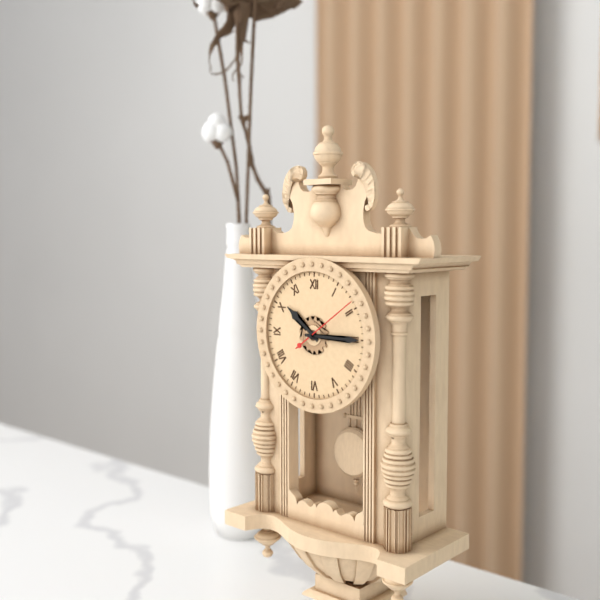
h=10 m=15 s=9
